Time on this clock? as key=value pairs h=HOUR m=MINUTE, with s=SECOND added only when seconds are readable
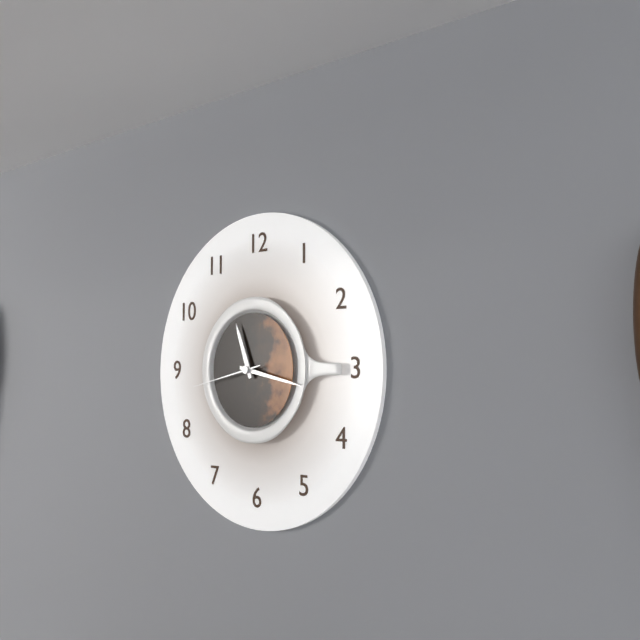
h=11 m=17 s=43
